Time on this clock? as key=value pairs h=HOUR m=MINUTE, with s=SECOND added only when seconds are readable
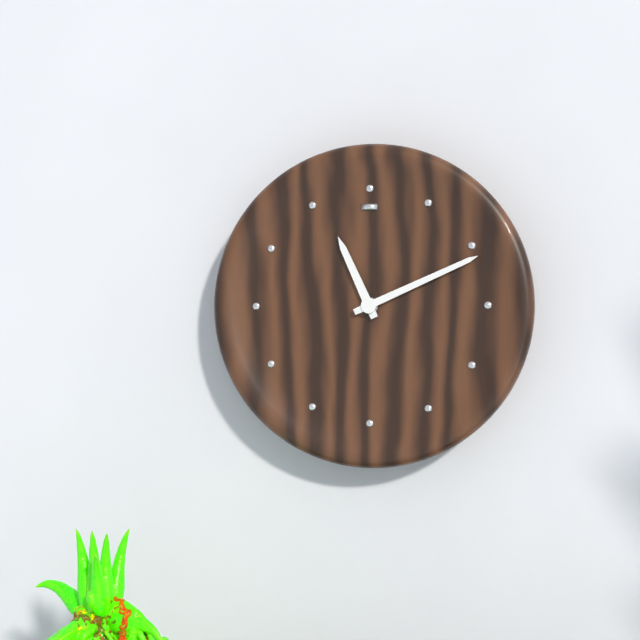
h=11 m=11
